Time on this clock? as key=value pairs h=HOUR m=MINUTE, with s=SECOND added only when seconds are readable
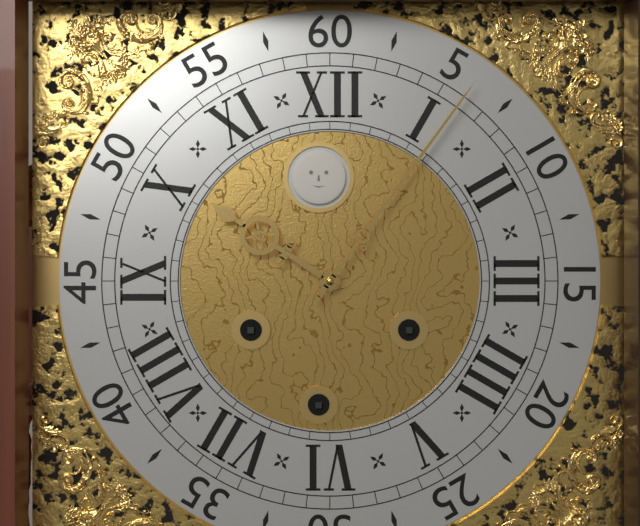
h=10 m=6
